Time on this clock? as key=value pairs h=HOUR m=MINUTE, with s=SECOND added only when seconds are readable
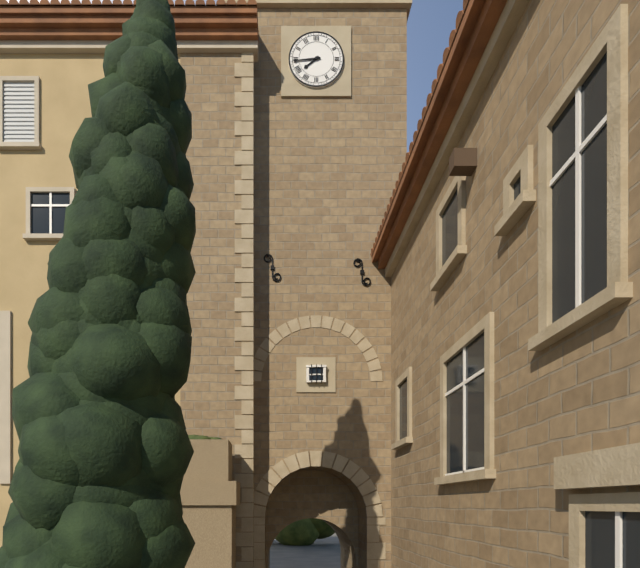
h=7 m=44
